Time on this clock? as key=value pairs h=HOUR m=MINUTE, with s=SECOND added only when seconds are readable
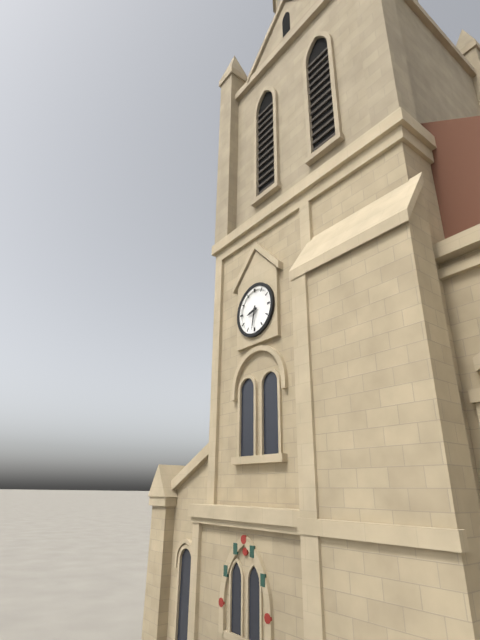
h=8 m=32
